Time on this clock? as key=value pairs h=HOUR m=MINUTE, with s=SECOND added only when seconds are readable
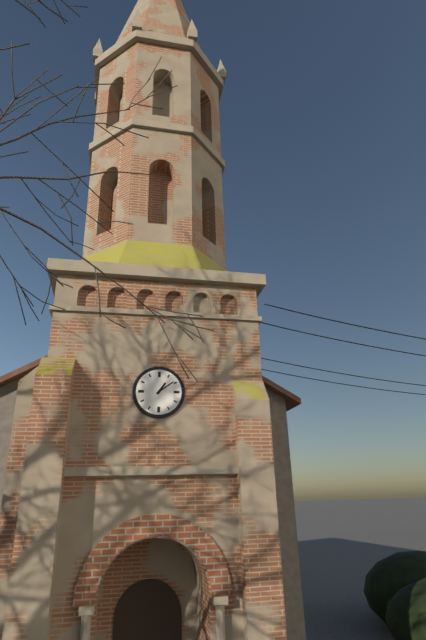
h=1 m=9
